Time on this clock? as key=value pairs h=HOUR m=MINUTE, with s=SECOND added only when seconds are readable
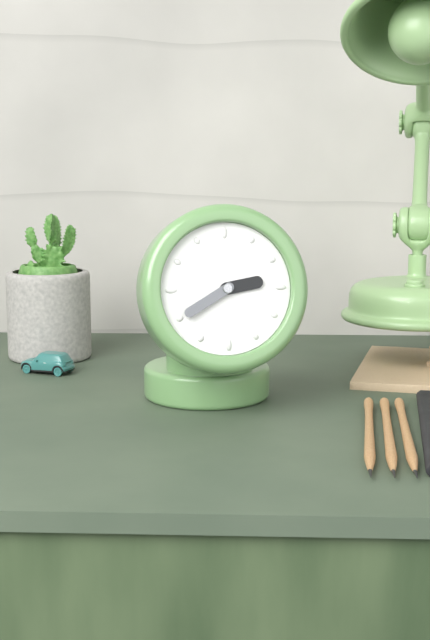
h=2 m=40
